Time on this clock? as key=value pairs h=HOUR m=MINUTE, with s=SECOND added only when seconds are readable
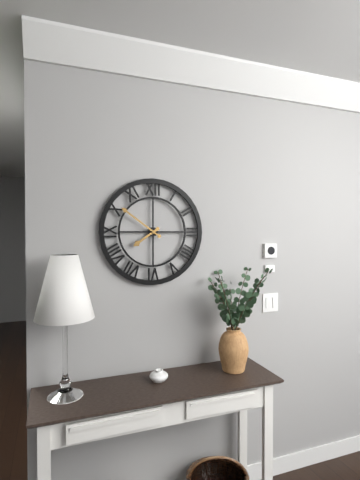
h=7 m=51
